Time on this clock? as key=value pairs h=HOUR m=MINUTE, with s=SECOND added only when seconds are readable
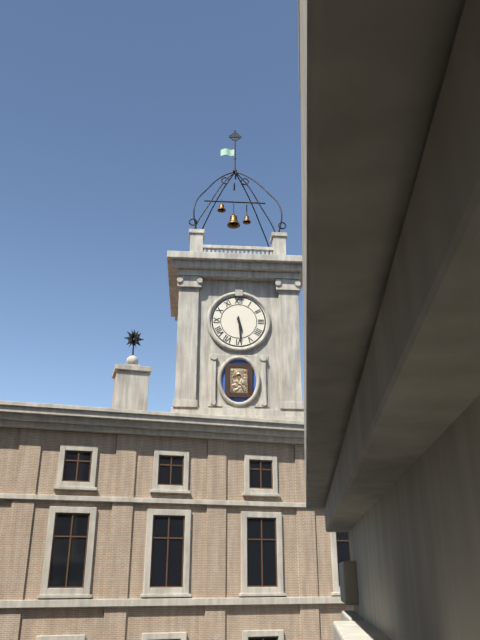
h=5 m=29
